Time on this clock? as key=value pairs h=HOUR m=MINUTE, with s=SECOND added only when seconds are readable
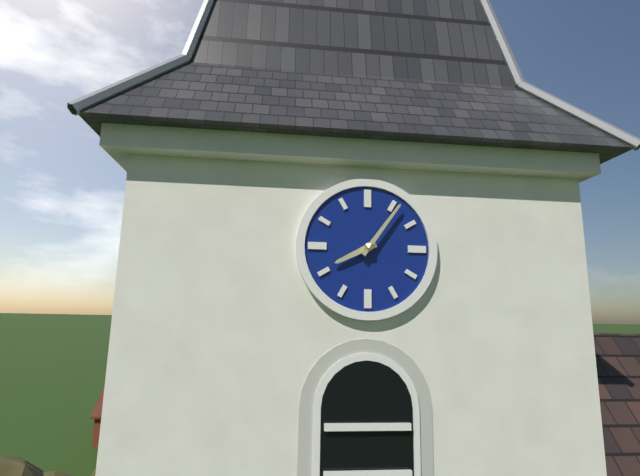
h=8 m=6
